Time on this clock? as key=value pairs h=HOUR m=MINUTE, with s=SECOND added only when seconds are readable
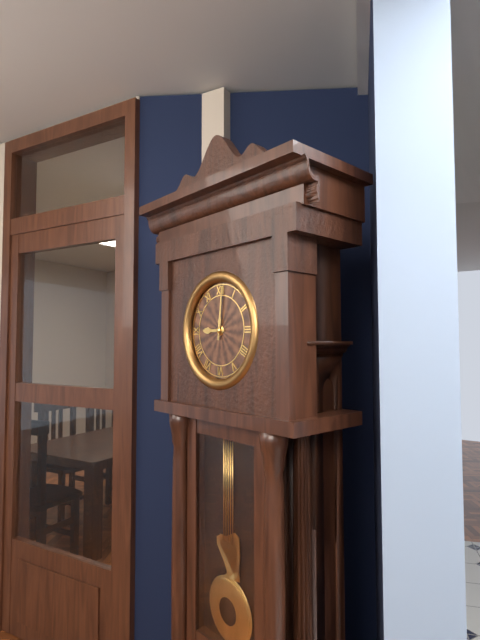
h=9 m=1
